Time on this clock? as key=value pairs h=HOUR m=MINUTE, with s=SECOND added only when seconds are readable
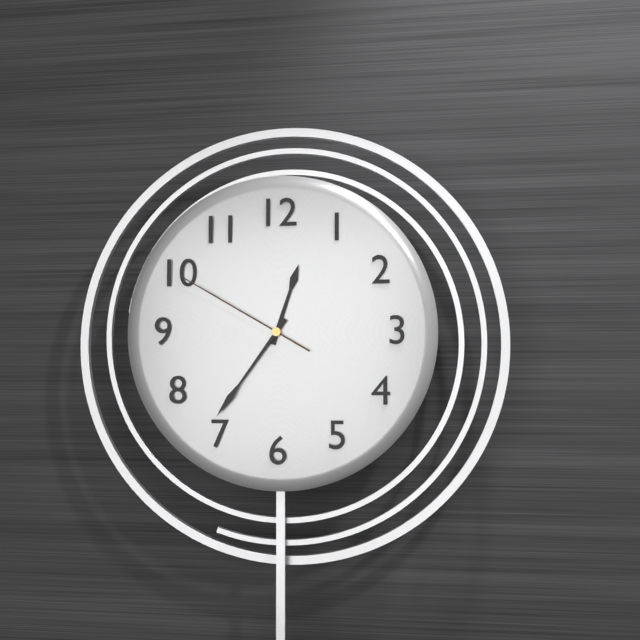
h=12 m=36 s=50
